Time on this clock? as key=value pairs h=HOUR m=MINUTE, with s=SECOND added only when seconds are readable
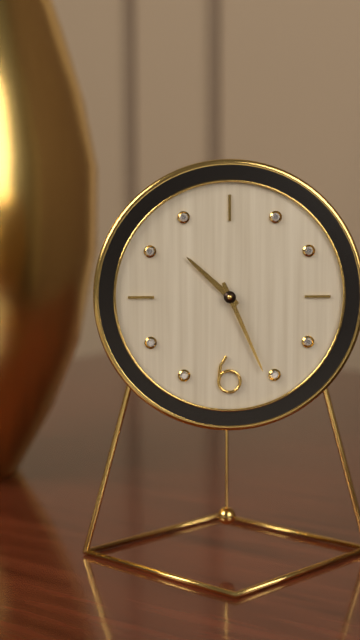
h=10 m=26
